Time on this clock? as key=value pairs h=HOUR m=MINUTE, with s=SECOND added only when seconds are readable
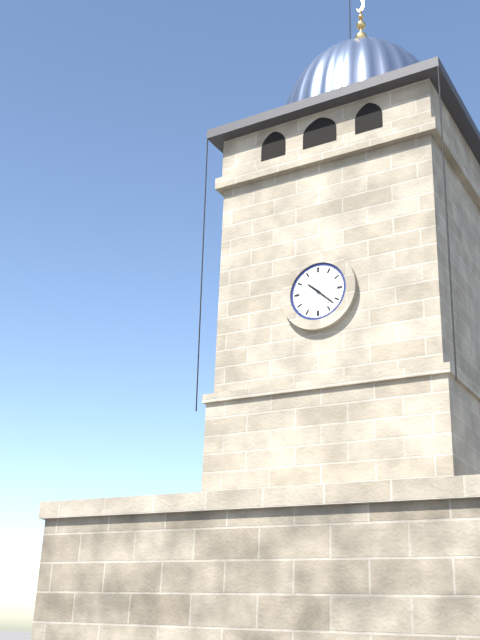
h=10 m=22
